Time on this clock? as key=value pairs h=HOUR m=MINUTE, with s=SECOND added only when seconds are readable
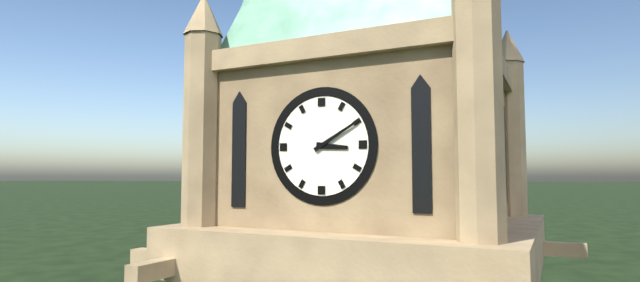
h=3 m=10
